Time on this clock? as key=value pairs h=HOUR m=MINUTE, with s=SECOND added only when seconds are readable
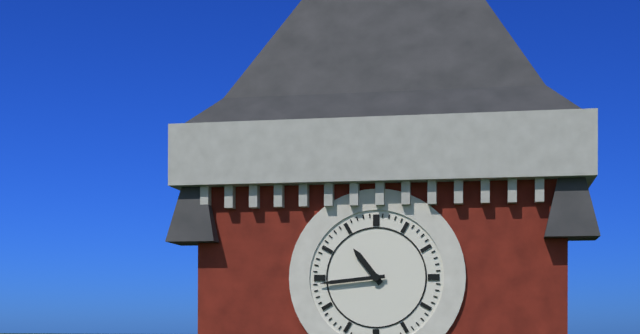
h=10 m=44
